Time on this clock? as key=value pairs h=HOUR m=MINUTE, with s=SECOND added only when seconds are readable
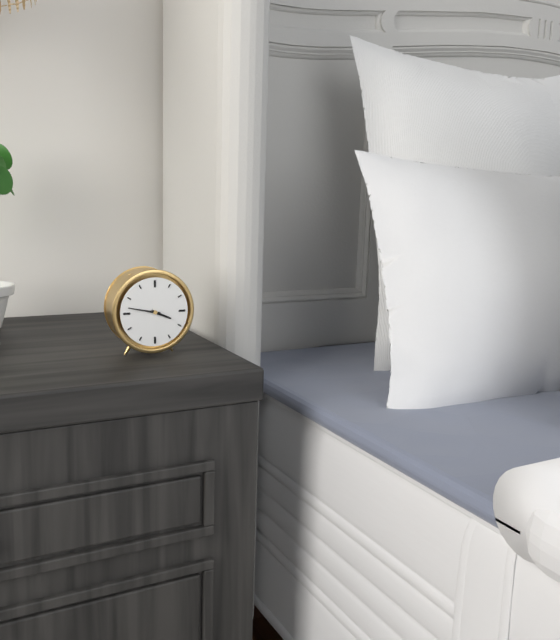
h=3 m=47
